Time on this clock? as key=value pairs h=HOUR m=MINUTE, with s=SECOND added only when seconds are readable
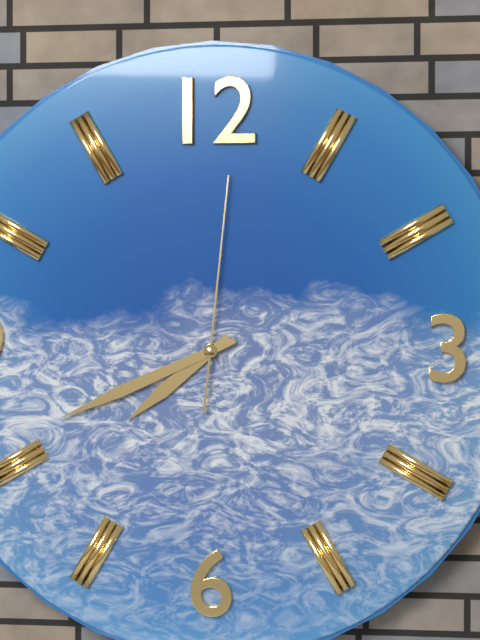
h=7 m=41 s=1
